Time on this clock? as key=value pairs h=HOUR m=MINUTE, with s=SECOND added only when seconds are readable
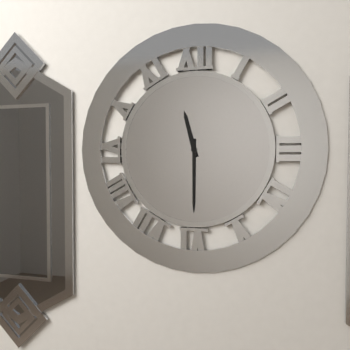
h=11 m=30
